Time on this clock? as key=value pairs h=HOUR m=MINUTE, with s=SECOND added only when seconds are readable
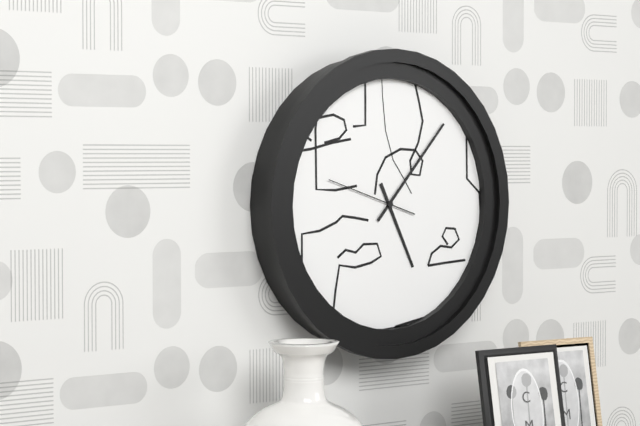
h=5 m=7 s=48
